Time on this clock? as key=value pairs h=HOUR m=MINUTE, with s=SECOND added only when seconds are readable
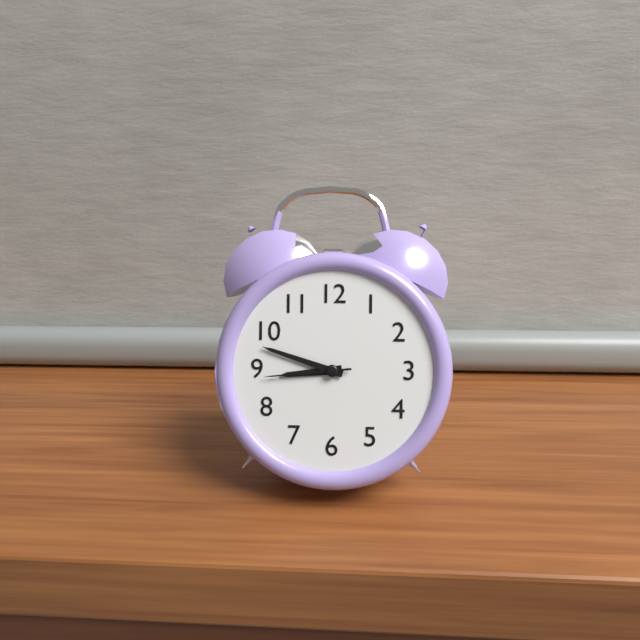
h=8 m=48 s=44
